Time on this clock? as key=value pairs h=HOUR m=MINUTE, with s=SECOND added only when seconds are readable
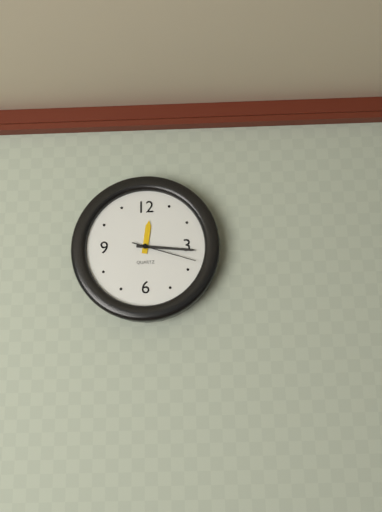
h=12 m=16 s=18
